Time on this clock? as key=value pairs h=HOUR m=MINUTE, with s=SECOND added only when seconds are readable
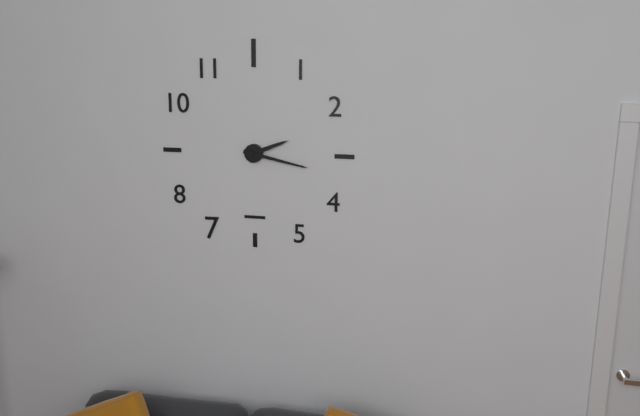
h=2 m=17
